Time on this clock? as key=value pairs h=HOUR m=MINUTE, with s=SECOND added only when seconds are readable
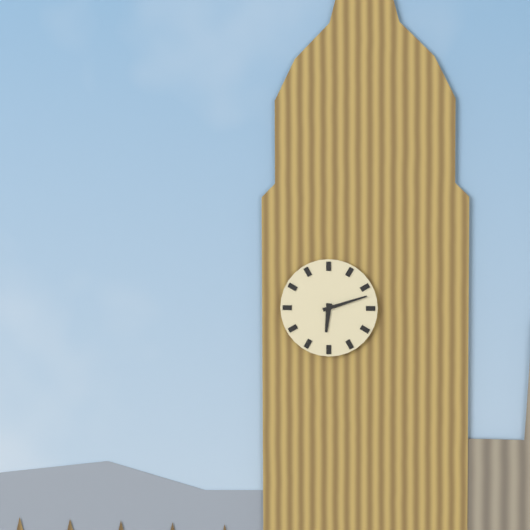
h=6 m=12
